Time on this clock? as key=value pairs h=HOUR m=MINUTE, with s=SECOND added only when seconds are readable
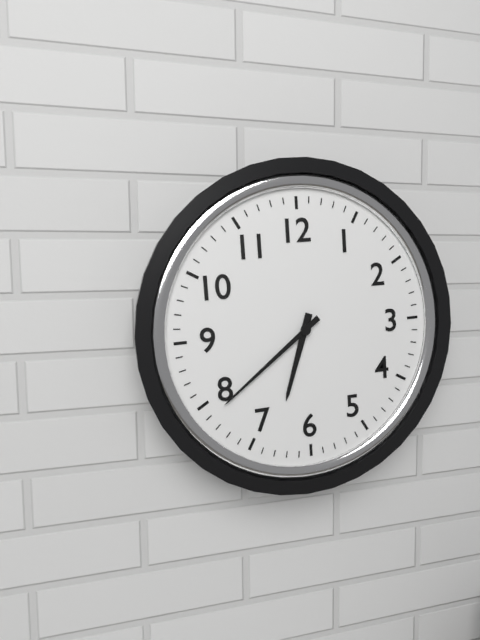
h=6 m=39
